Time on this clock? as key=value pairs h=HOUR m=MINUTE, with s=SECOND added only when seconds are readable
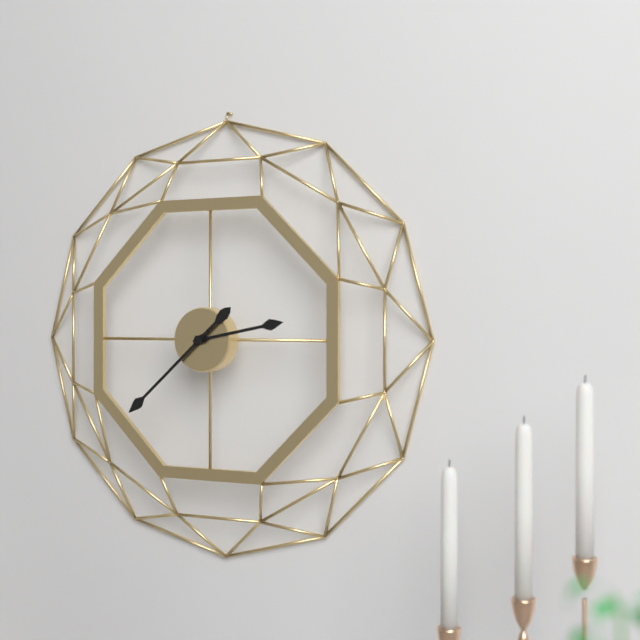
h=2 m=38
